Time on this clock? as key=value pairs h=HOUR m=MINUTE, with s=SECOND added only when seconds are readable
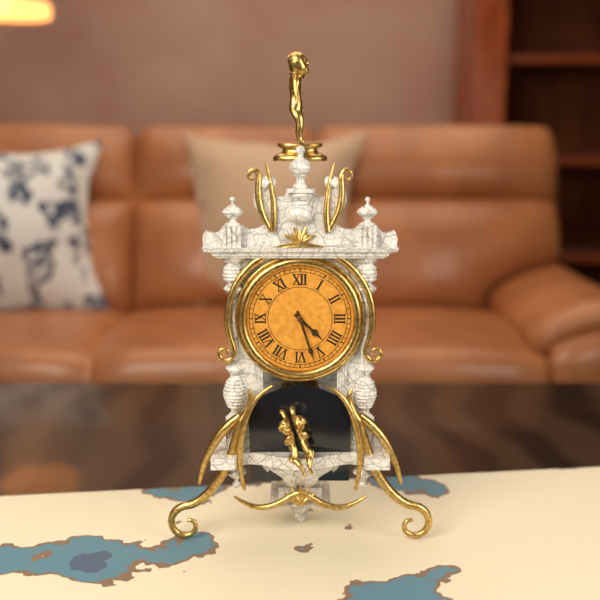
h=4 m=27
